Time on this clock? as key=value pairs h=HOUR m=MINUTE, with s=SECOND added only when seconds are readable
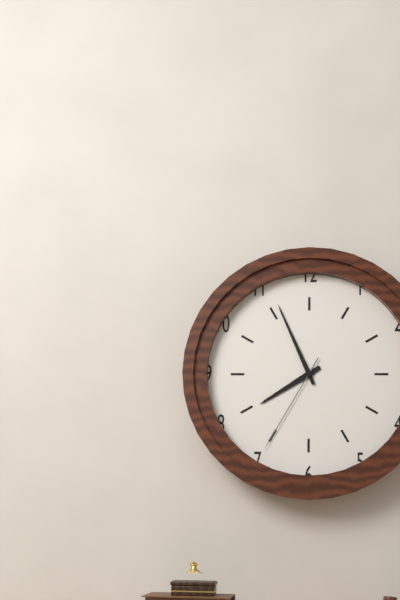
h=7 m=56 s=35
